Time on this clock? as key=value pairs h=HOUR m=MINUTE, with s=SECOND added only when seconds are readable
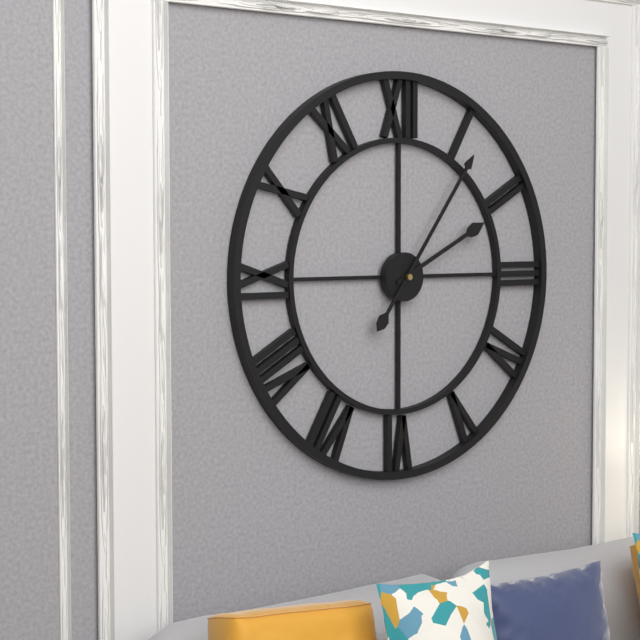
h=2 m=6
